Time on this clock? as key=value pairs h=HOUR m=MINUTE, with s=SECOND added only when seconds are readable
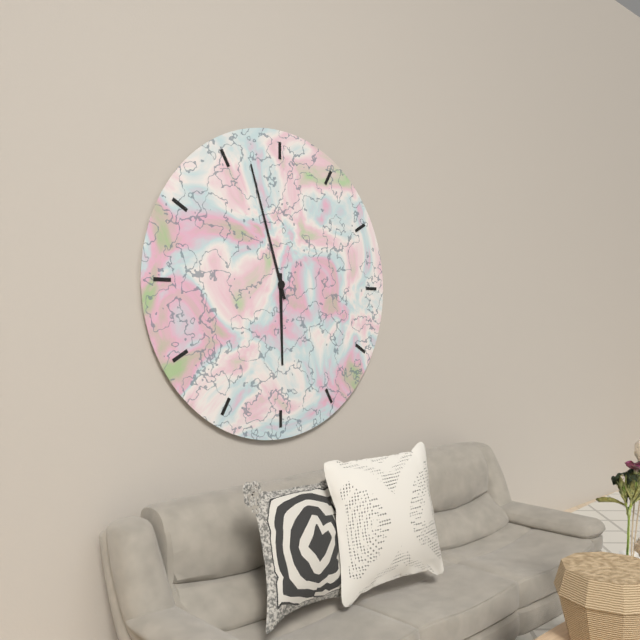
h=5 m=57
